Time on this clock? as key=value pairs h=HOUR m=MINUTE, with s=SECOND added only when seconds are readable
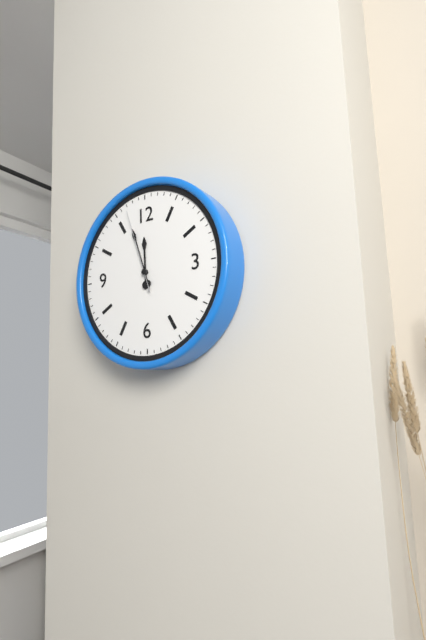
h=11 m=57 s=57
